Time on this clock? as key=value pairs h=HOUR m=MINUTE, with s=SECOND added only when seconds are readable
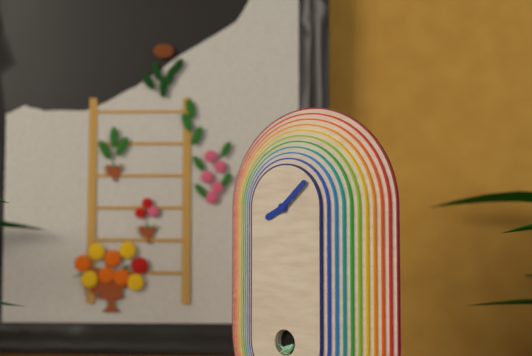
h=8 m=8
